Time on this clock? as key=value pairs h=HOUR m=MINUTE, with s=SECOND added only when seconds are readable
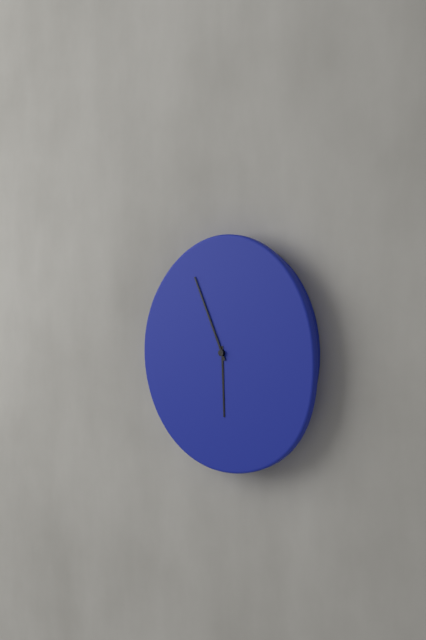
h=5 m=56
